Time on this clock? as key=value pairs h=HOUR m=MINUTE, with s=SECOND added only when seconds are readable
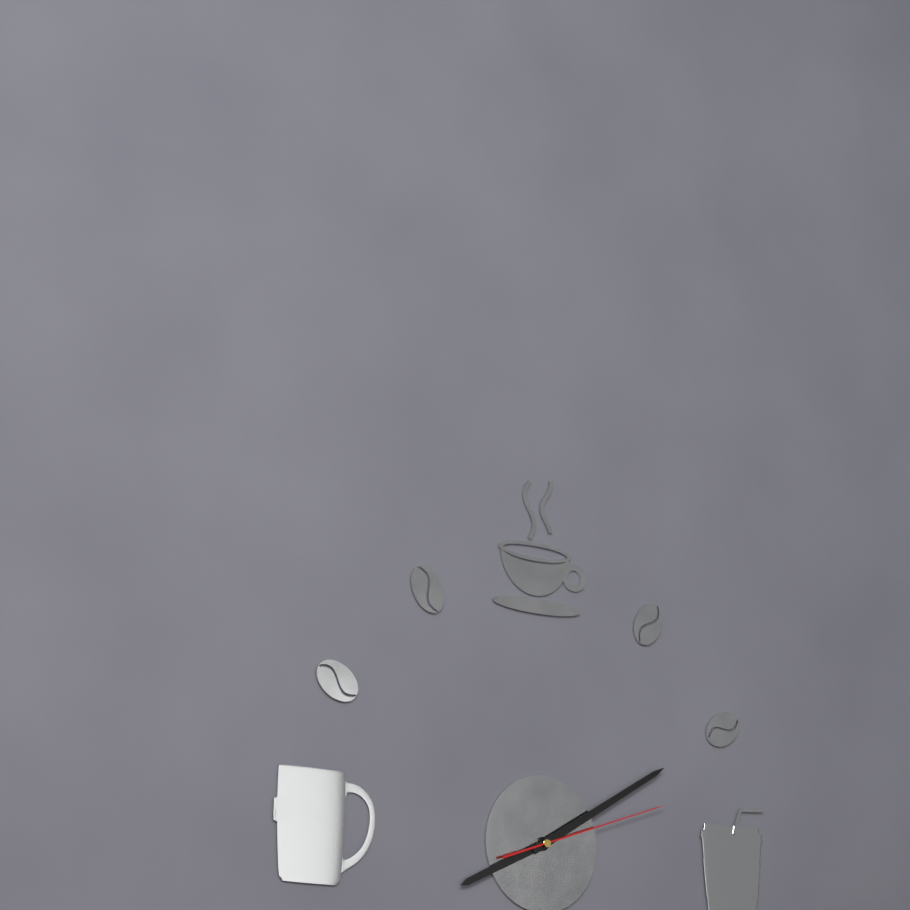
h=8 m=10 s=12
